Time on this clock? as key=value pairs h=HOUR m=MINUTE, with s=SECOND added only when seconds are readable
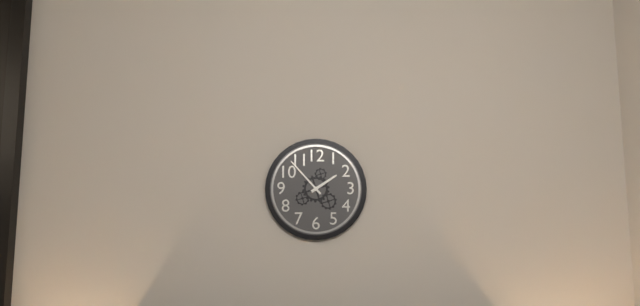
h=1 m=53
